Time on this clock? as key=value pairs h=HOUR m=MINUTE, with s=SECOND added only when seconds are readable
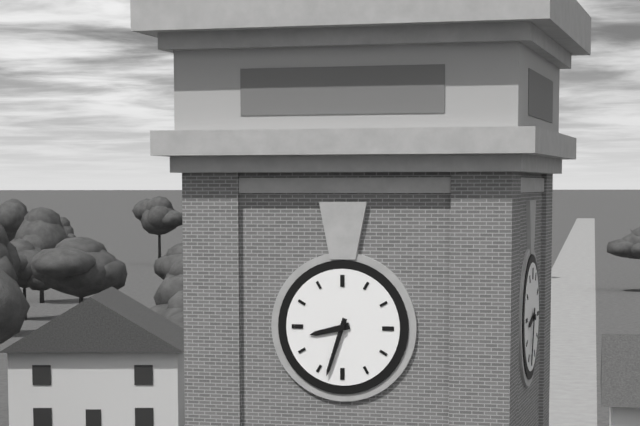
h=8 m=33
